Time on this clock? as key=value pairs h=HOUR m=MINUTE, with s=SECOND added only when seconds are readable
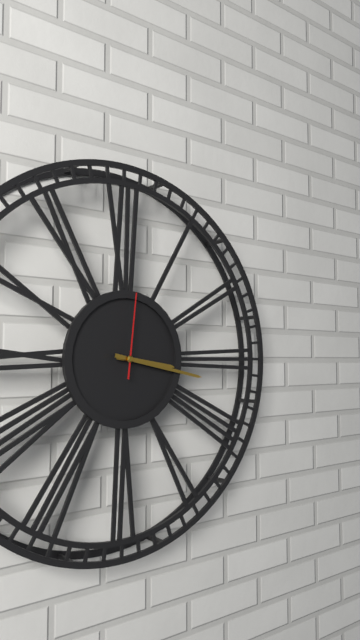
h=3 m=17 s=1
